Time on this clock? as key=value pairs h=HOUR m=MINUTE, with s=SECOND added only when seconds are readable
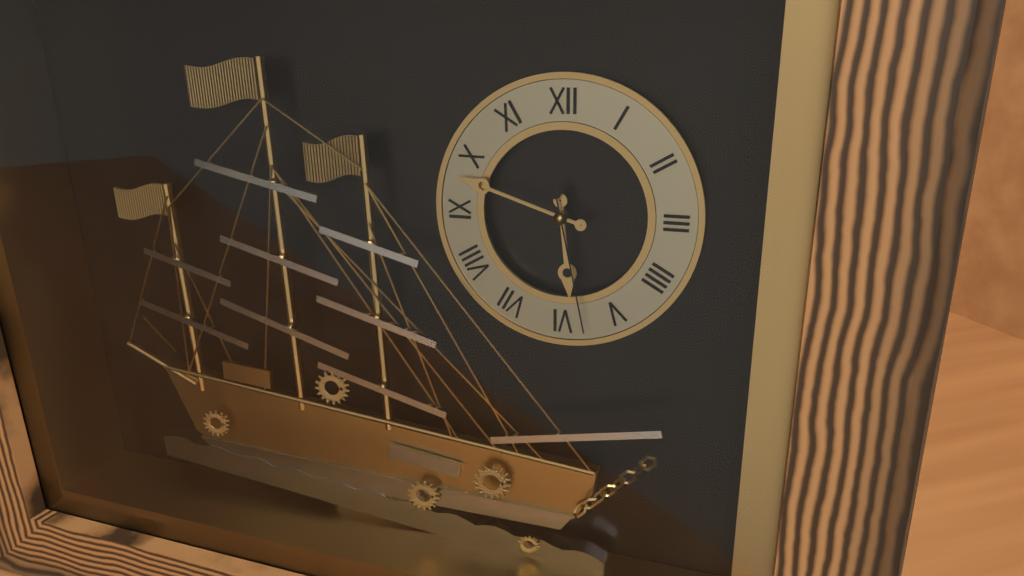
h=5 m=48 s=28
